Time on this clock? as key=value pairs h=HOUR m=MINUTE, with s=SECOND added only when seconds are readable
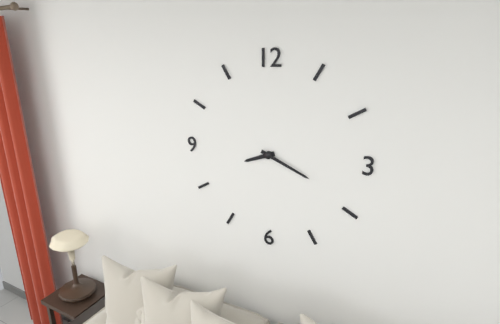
h=8 m=19
